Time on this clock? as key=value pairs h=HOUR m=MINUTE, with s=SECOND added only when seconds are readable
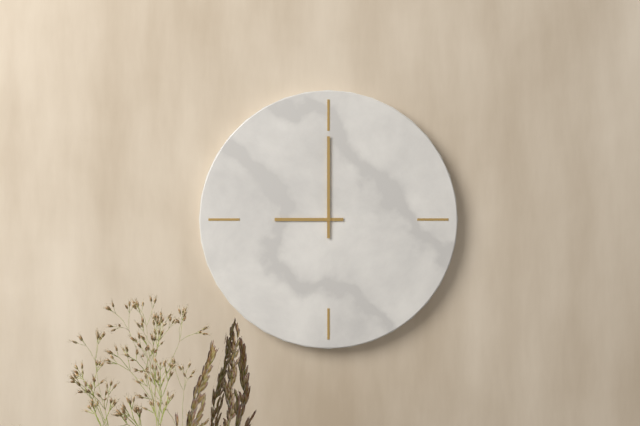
h=9 m=0
